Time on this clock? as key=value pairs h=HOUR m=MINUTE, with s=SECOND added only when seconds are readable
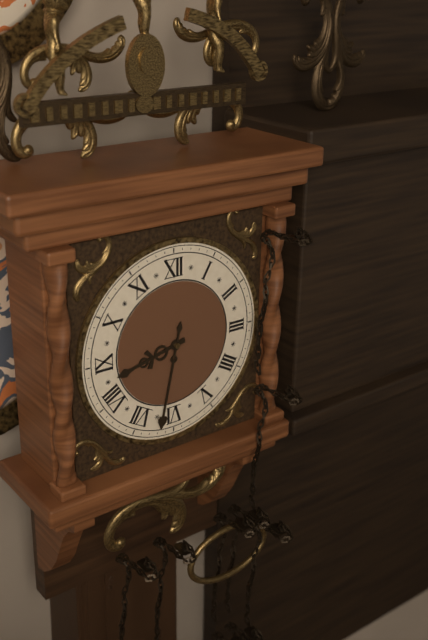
h=8 m=32
